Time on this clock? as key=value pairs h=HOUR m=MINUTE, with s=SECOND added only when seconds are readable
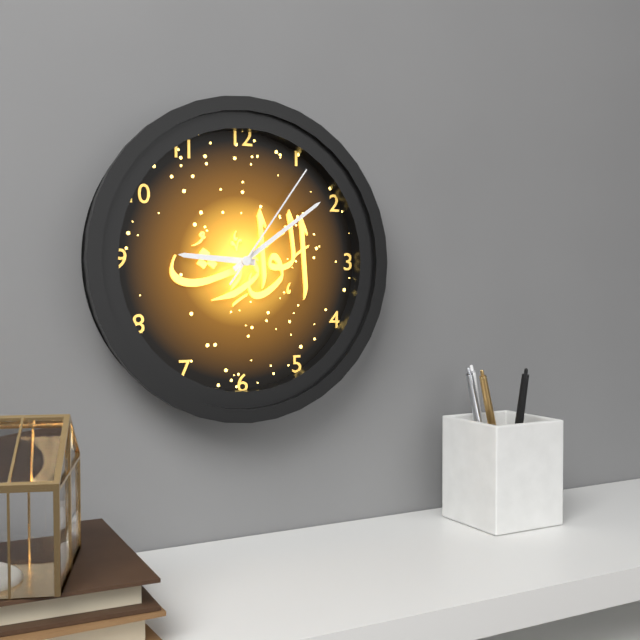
h=9 m=9 s=6
